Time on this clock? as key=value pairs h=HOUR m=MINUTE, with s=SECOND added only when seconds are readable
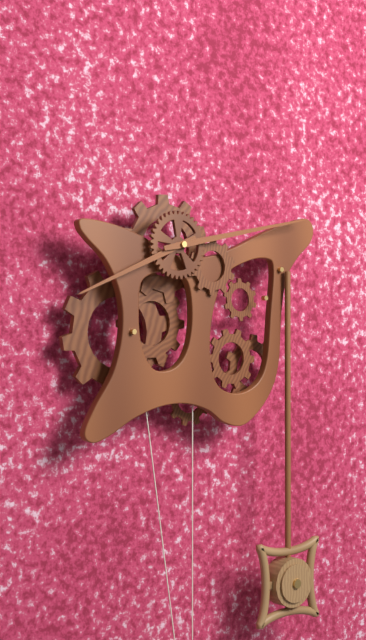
h=8 m=13
